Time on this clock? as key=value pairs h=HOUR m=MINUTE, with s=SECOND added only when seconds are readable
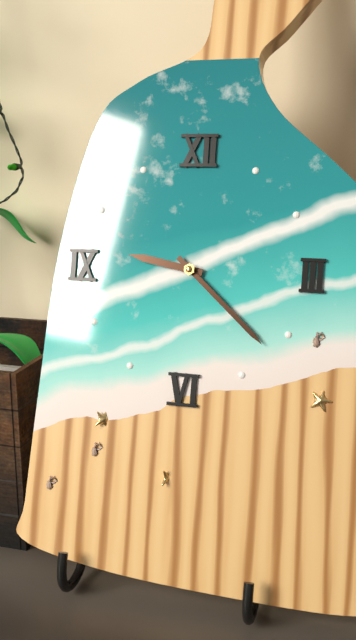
h=9 m=22
